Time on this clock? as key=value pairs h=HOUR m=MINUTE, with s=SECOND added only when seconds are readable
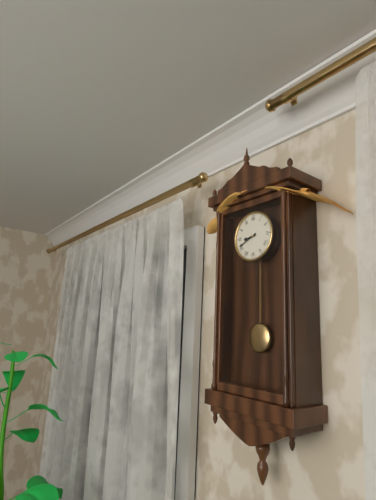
h=8 m=41
